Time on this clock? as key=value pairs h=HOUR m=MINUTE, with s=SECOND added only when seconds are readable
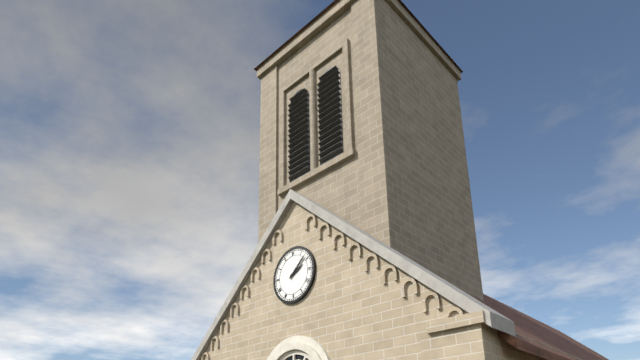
h=2 m=8
